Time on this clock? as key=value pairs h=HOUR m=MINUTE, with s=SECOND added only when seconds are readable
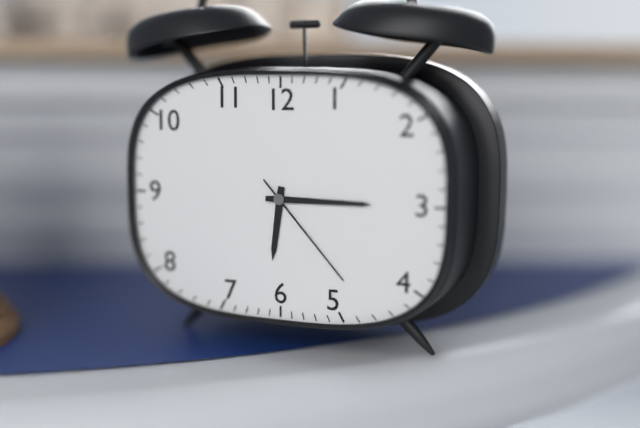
h=6 m=15 s=23
